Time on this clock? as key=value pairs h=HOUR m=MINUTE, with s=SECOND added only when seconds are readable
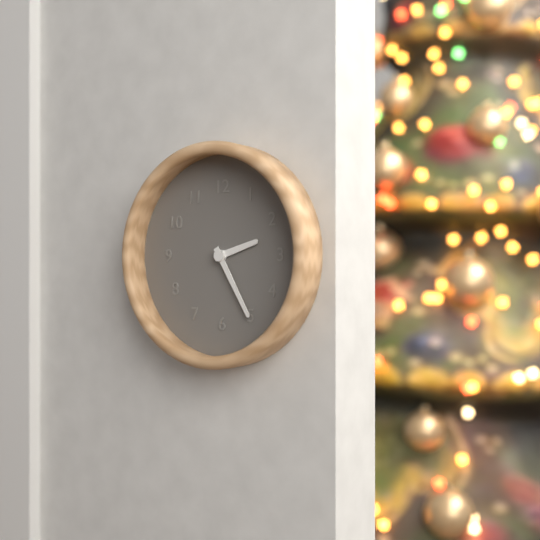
h=2 m=25
